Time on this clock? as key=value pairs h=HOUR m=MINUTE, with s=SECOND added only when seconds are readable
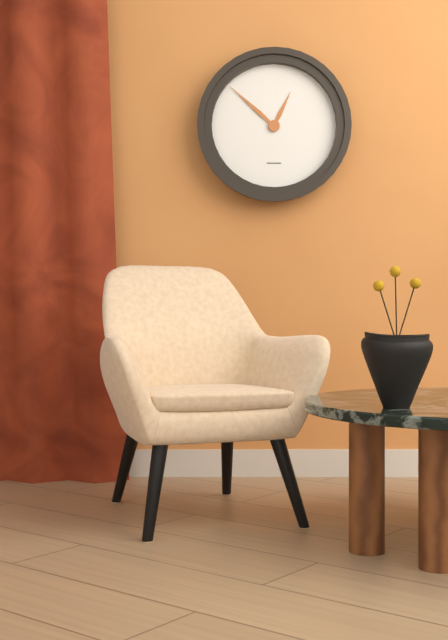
h=12 m=52
